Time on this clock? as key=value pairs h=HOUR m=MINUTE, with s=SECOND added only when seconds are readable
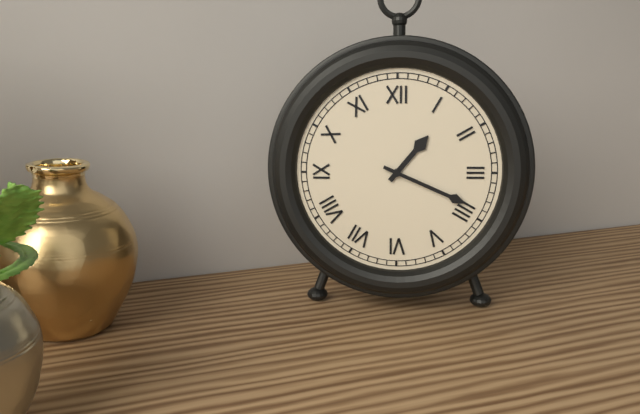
h=1 m=19
